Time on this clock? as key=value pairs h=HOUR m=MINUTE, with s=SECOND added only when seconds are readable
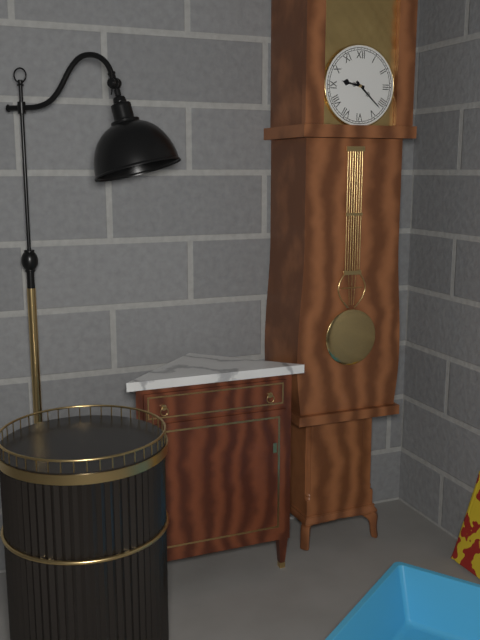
h=9 m=22
